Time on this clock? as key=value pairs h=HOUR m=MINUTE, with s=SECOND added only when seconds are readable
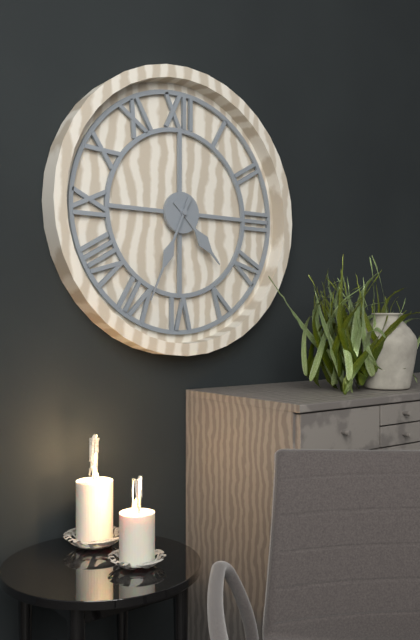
h=4 m=34
